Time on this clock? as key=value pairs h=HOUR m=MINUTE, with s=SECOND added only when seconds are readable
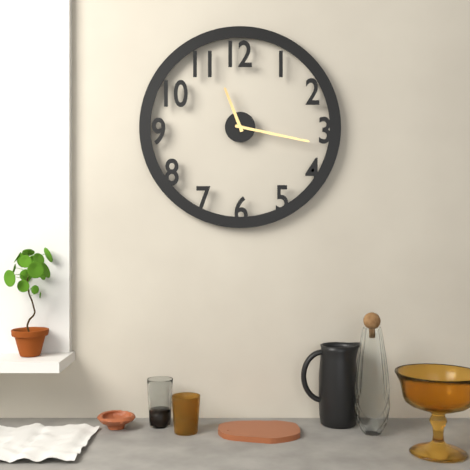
h=11 m=17
